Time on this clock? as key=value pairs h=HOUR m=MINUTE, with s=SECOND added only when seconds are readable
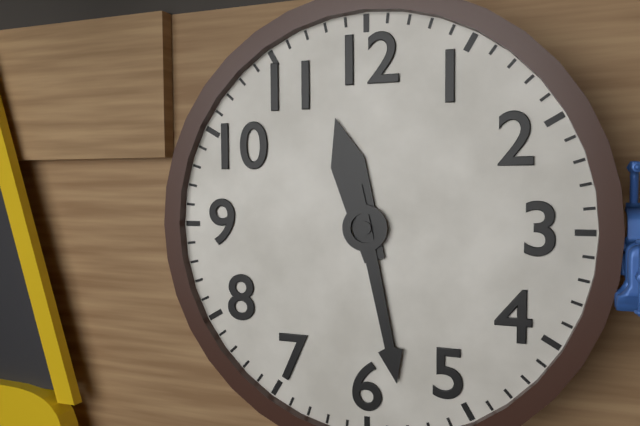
h=11 m=28
